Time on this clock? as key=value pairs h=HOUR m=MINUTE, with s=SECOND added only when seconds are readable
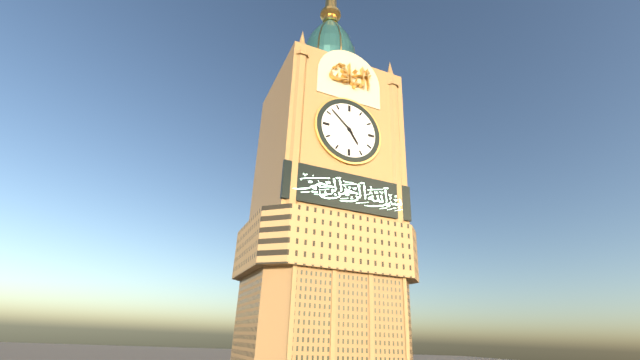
h=4 m=52
